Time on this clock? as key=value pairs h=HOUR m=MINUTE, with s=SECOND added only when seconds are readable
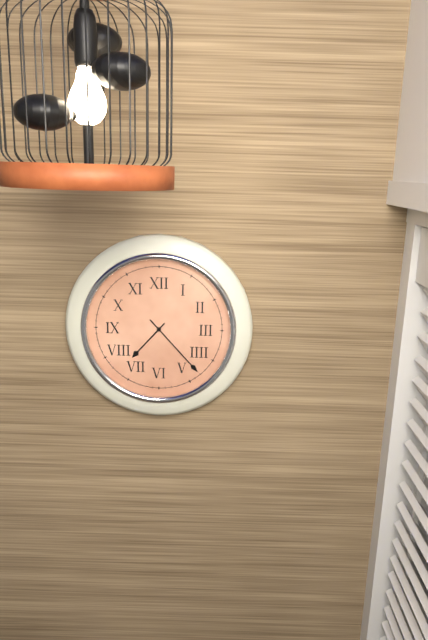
h=7 m=23
